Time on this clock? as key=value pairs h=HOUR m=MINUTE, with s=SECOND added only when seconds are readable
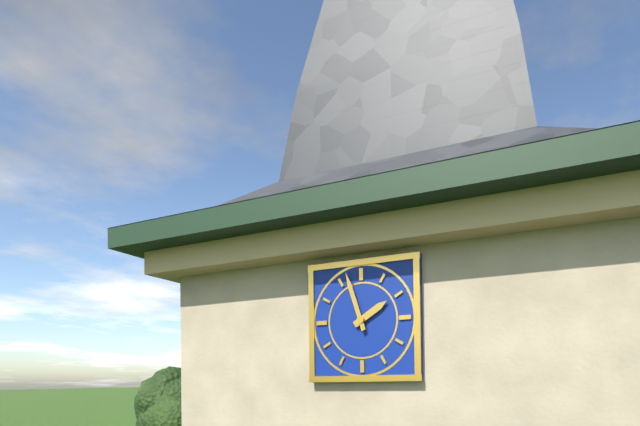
h=1 m=57
